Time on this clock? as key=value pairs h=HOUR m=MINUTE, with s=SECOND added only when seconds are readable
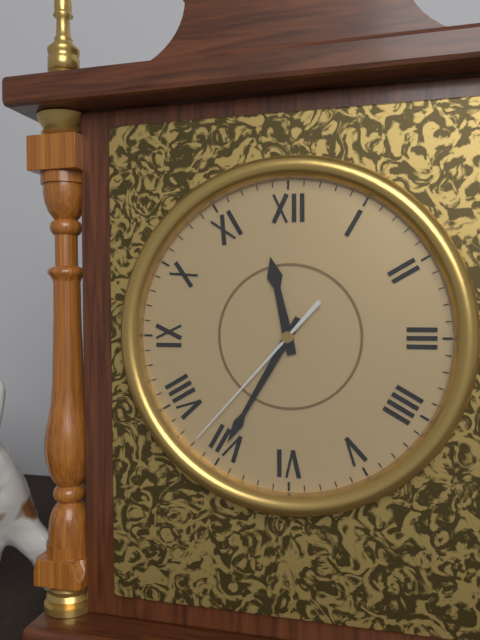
h=11 m=35 s=37
